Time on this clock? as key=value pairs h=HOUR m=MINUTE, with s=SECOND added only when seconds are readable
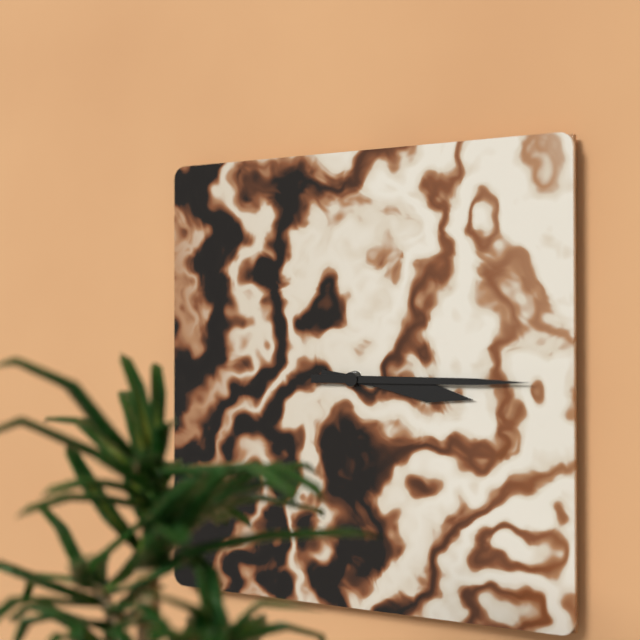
h=3 m=15
